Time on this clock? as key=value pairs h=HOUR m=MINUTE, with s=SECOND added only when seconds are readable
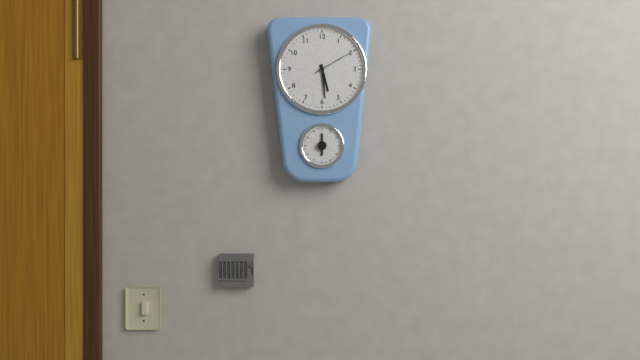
h=5 m=29
